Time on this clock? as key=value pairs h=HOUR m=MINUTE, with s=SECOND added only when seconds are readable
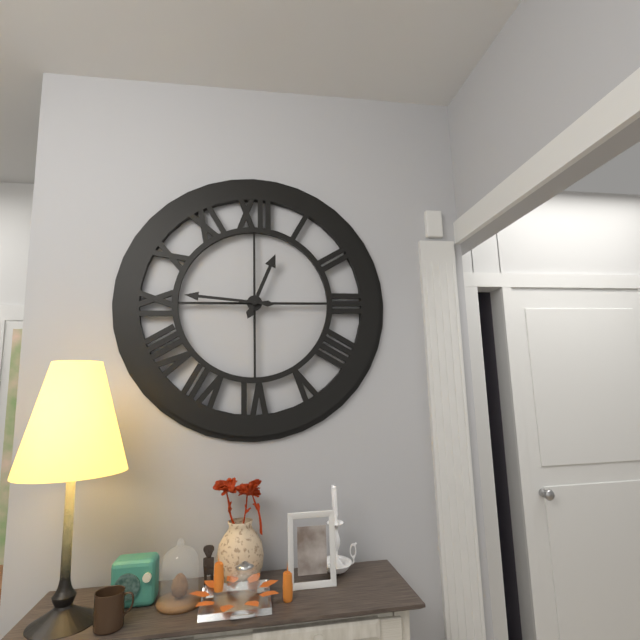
h=12 m=46
